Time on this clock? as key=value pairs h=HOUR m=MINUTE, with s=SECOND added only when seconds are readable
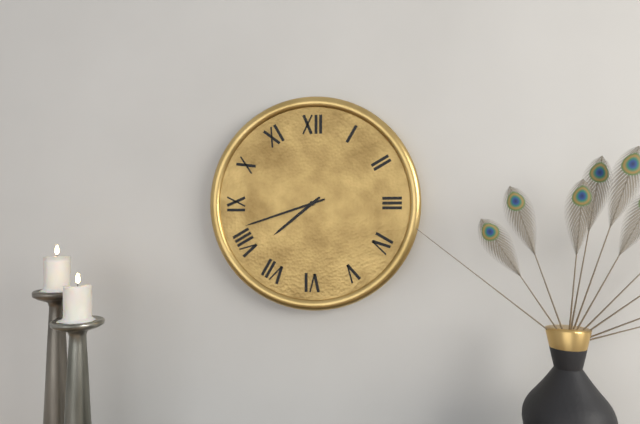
h=7 m=42
